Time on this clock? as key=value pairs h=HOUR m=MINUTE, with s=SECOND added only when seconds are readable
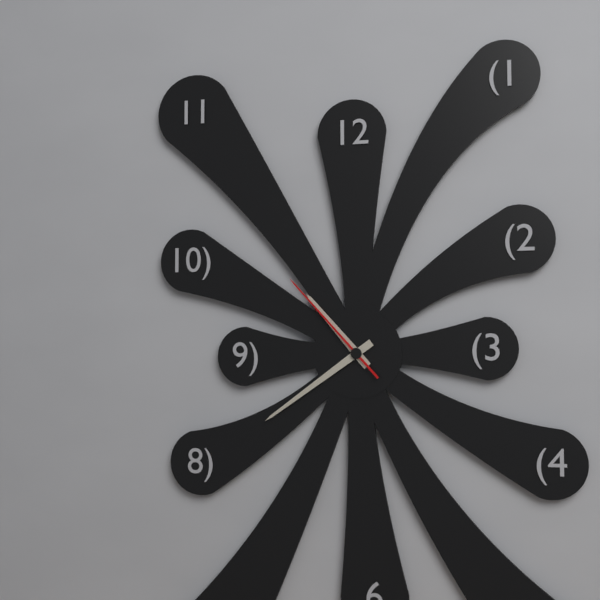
h=10 m=39 s=53
